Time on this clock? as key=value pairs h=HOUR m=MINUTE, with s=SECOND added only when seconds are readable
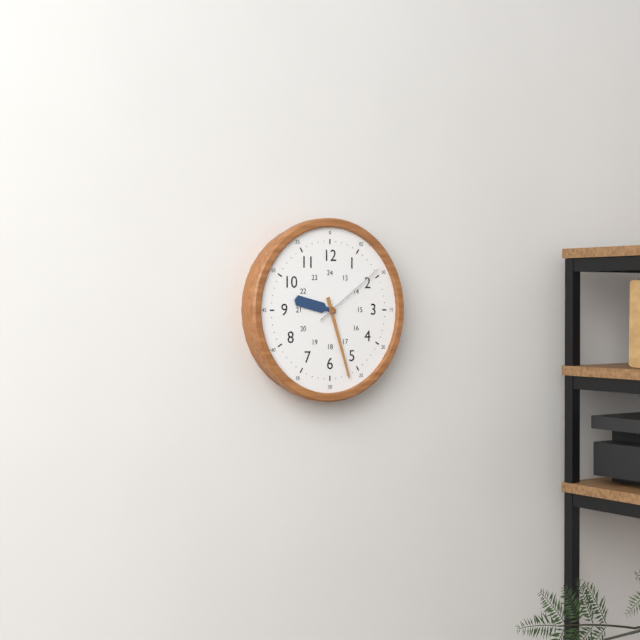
h=9 m=27 s=9
